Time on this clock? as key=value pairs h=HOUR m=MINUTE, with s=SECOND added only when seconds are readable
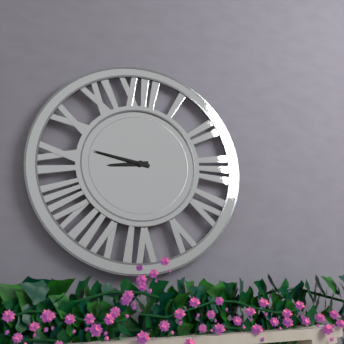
h=8 m=47
